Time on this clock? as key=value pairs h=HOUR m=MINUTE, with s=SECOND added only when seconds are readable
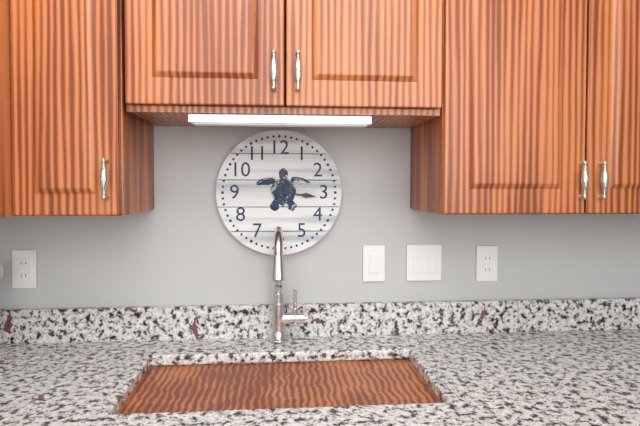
h=12 m=16
